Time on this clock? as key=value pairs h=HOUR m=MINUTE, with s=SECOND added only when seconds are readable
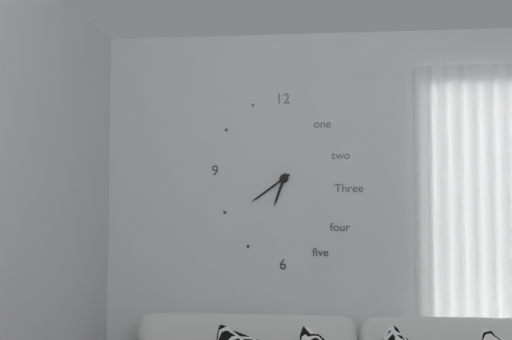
h=6 m=39
